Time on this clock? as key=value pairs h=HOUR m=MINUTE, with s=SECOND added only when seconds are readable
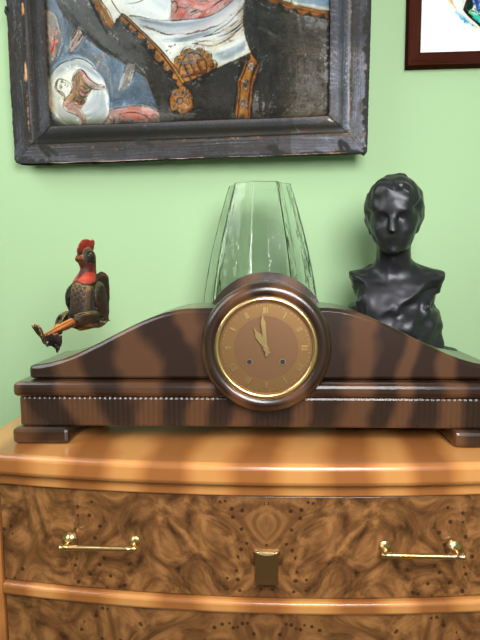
h=10 m=59
